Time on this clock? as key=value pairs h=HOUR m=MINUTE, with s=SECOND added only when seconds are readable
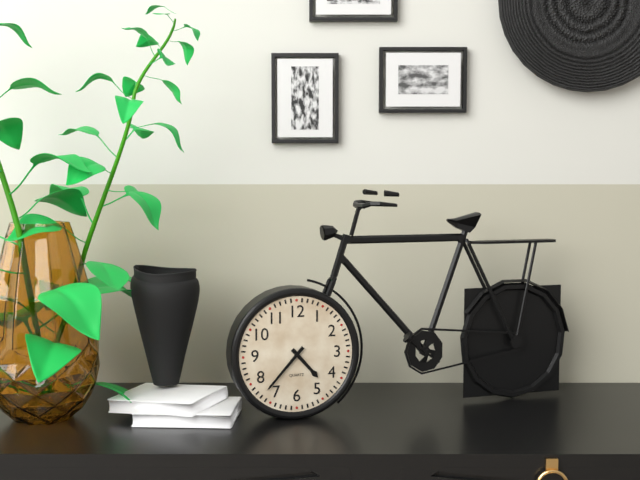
h=4 m=37
